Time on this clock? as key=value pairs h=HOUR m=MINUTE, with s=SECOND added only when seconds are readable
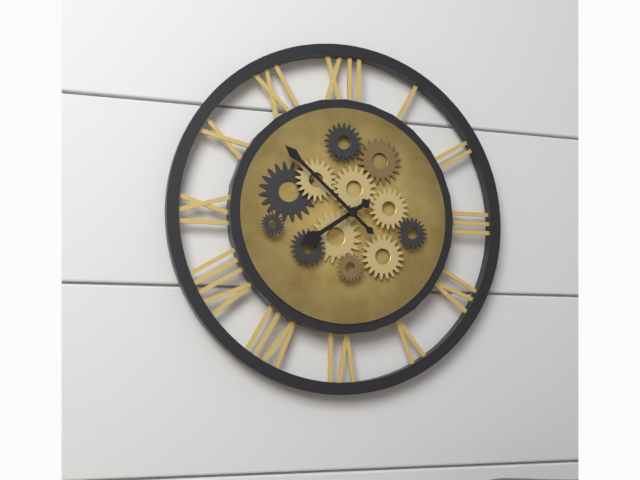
h=7 m=52
